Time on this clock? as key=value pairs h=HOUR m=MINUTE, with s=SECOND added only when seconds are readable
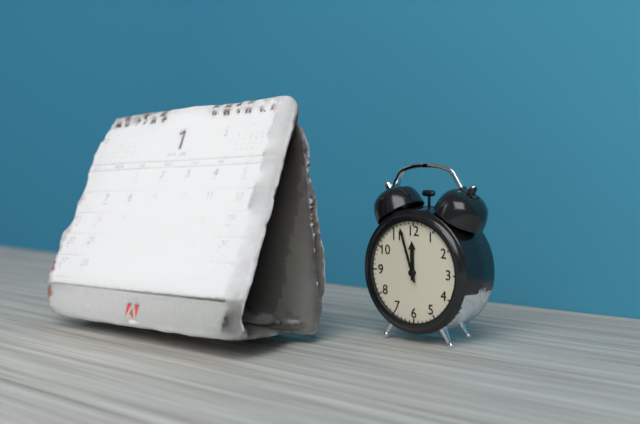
h=11 m=57
